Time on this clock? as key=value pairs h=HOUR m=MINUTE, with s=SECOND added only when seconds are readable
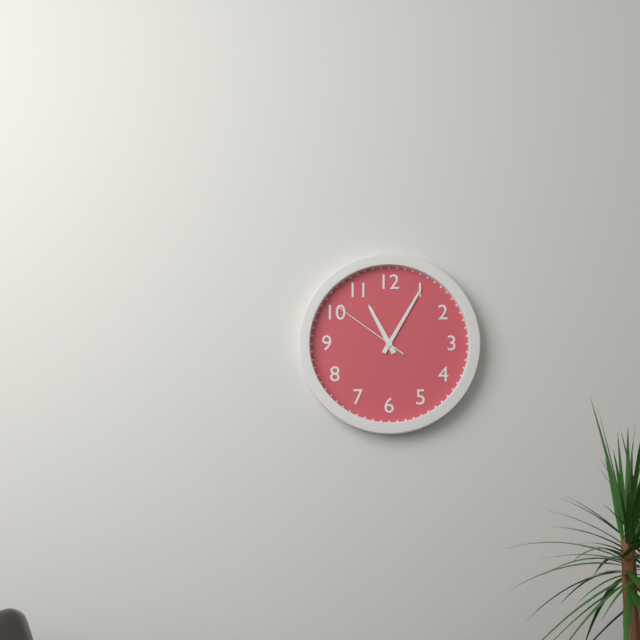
h=11 m=5 s=51
